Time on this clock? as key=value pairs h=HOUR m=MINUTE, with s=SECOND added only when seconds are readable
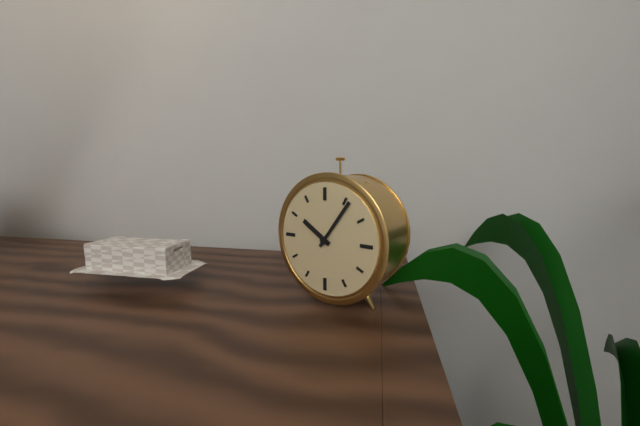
h=10 m=6
